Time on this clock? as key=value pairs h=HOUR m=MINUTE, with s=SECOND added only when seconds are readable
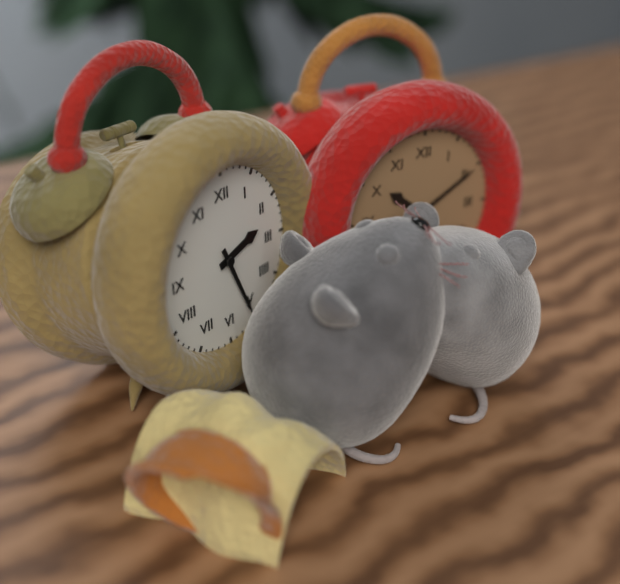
h=2 m=26
